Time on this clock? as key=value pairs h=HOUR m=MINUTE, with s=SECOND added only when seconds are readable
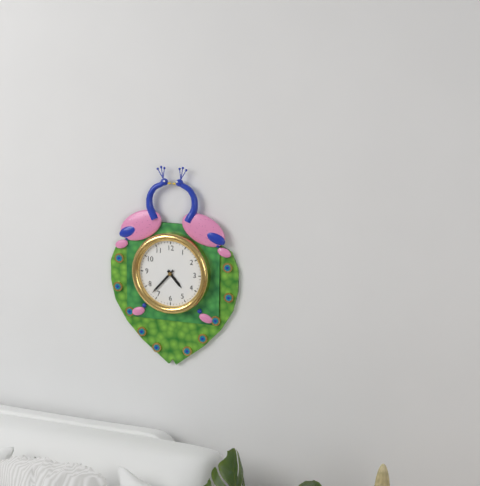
h=4 m=37
